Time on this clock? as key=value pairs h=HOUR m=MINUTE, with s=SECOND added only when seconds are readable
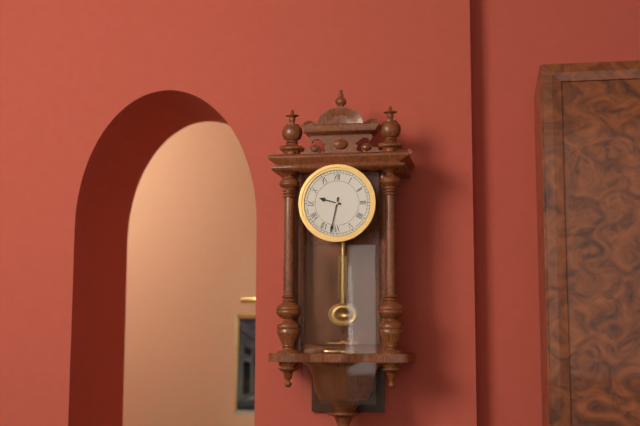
h=9 m=32
